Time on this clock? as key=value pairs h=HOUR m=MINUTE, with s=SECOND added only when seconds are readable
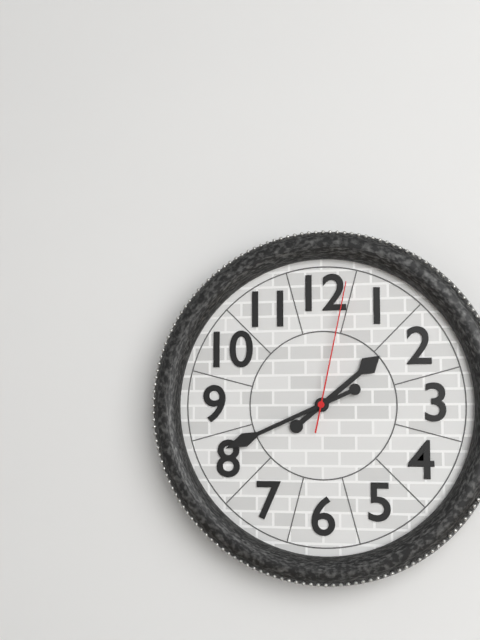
h=1 m=41 s=2
